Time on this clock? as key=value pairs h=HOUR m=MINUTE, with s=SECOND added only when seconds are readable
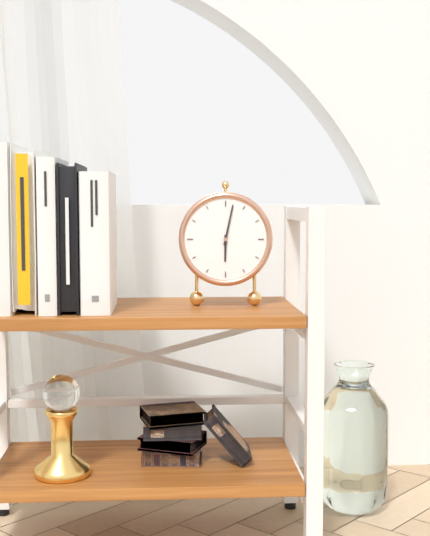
h=6 m=2
